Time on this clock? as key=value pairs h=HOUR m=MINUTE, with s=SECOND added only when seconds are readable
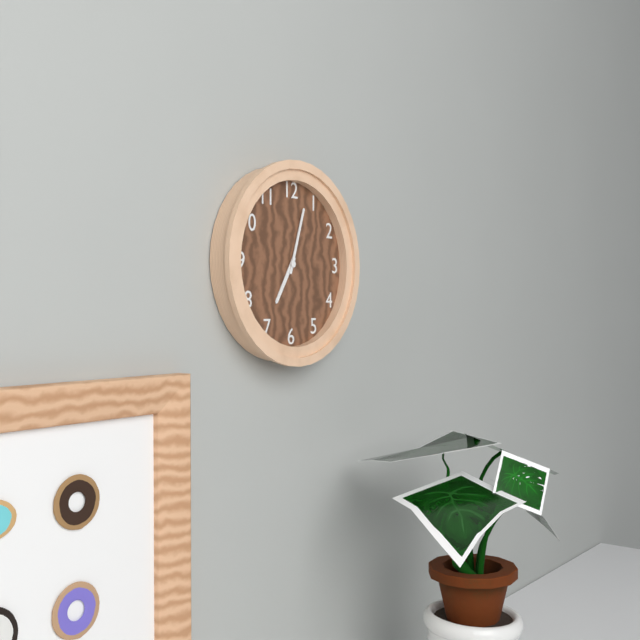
h=7 m=3
